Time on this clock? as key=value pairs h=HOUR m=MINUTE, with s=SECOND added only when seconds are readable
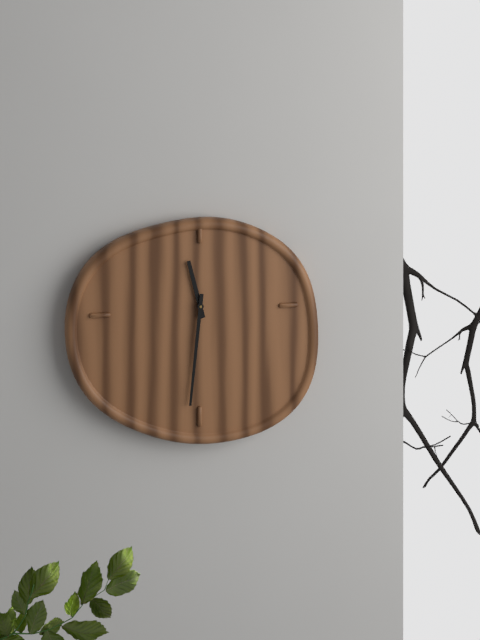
h=11 m=31
